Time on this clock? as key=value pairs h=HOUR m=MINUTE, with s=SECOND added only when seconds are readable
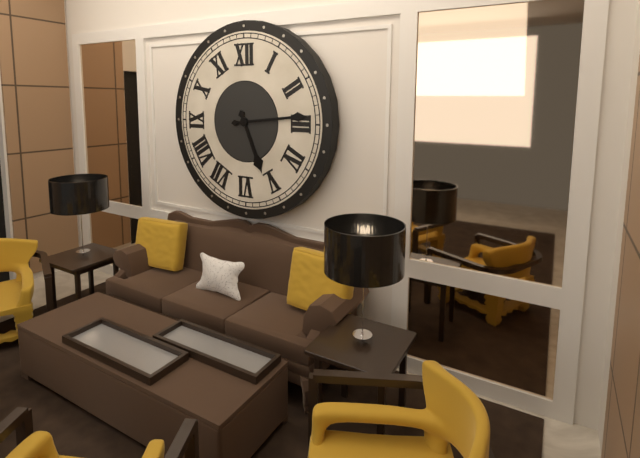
h=5 m=14
